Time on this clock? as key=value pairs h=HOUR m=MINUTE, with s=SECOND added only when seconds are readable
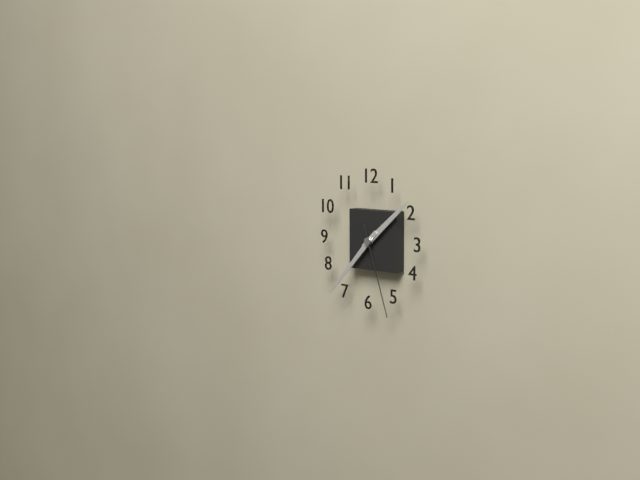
h=1 m=37 s=27
